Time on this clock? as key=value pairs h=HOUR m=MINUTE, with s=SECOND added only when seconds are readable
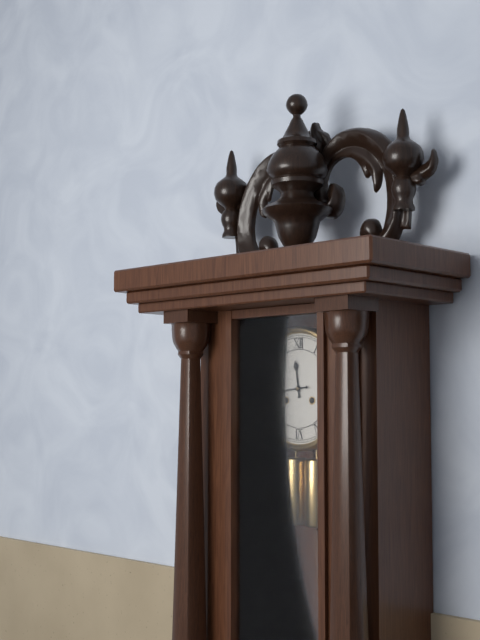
h=11 m=44
